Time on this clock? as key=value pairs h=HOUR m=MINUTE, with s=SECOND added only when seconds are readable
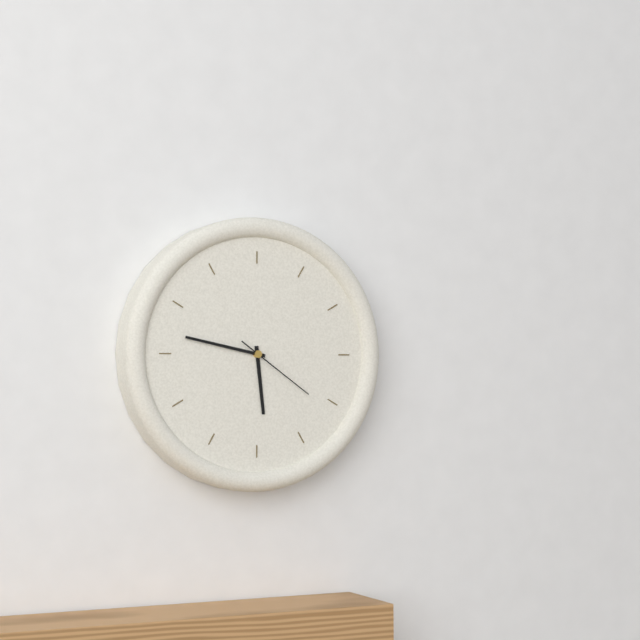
h=5 m=47 s=21
